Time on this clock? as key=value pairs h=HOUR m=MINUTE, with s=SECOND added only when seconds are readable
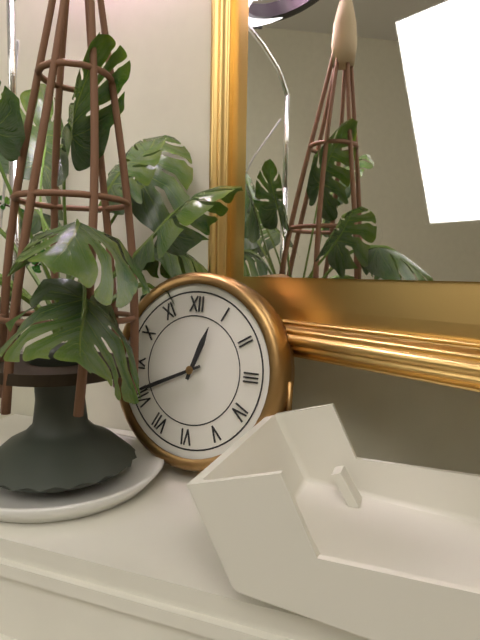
h=12 m=41
